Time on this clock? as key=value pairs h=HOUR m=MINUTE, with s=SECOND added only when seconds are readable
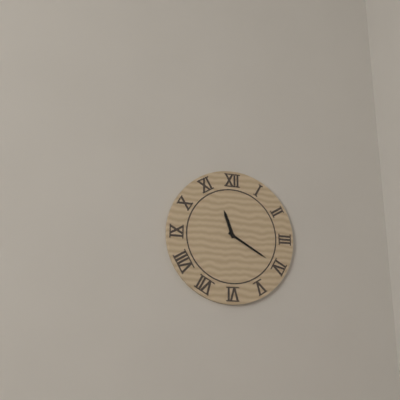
h=11 m=20
